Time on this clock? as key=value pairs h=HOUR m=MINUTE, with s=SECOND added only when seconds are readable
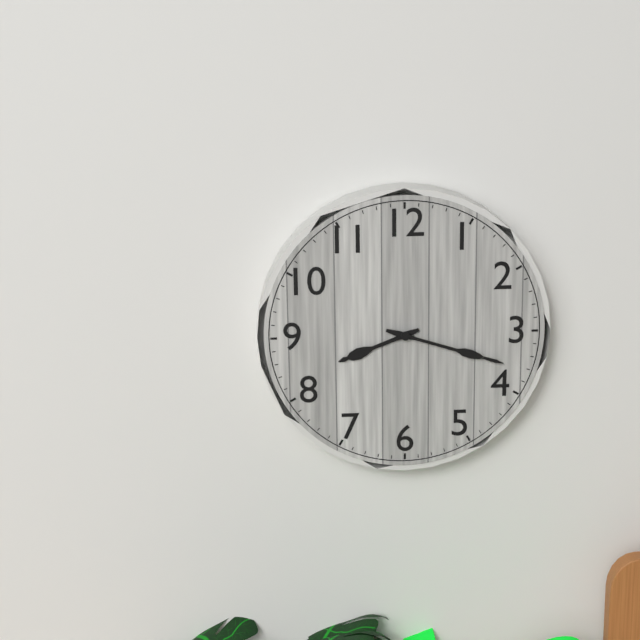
h=8 m=18
